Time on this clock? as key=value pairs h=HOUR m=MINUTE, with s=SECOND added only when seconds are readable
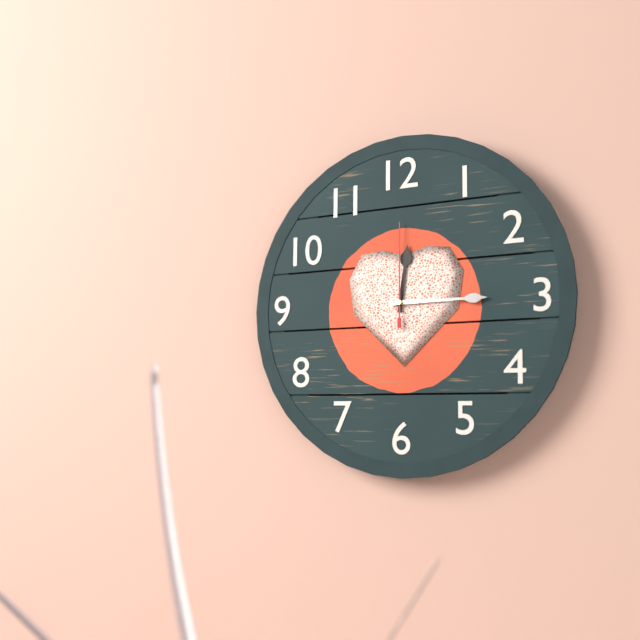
h=12 m=15 s=0
